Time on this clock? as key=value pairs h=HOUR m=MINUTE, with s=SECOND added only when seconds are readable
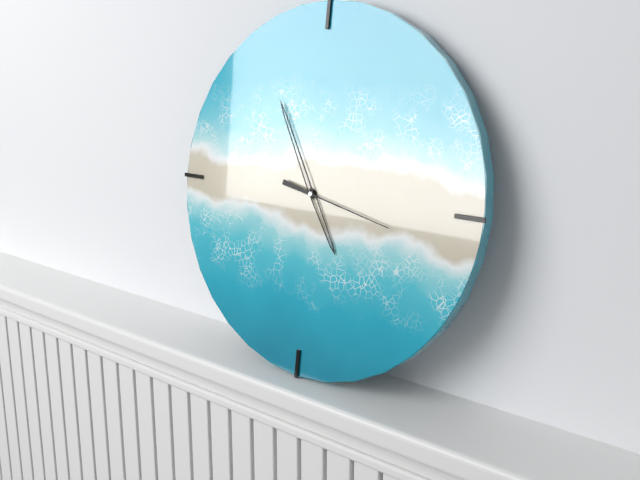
h=4 m=55 s=17
